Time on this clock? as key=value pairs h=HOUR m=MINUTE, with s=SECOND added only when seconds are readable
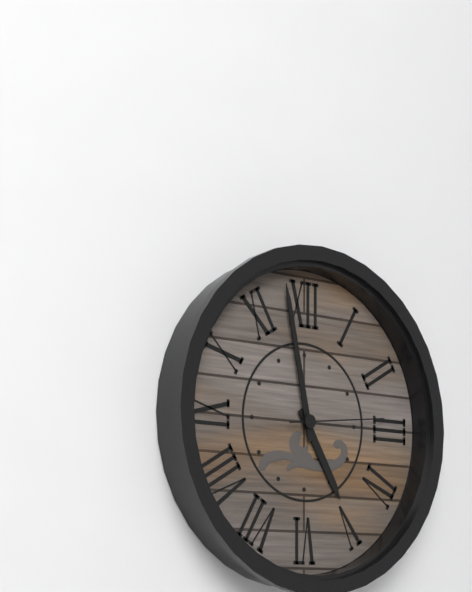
h=4 m=58 s=14
